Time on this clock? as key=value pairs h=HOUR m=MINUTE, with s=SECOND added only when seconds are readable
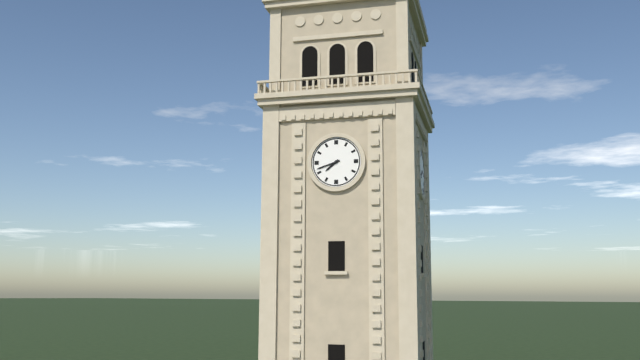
h=7 m=42
